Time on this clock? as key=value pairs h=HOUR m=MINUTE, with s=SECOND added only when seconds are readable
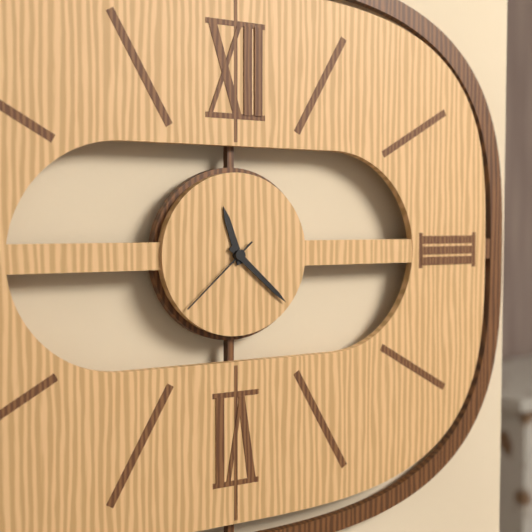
h=11 m=22 s=38
